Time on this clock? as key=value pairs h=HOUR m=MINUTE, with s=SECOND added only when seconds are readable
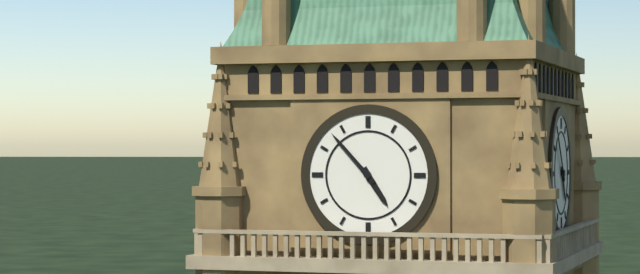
h=4 m=53
